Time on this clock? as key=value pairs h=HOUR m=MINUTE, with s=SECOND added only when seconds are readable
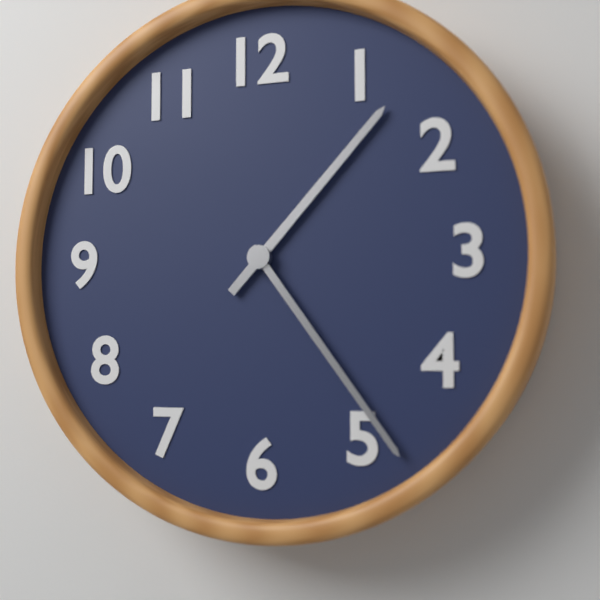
h=1 m=24
